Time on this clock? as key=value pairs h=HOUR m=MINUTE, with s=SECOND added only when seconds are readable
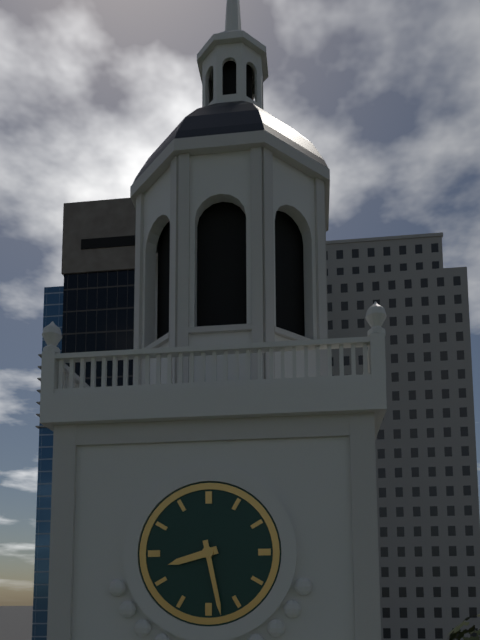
h=8 m=28
